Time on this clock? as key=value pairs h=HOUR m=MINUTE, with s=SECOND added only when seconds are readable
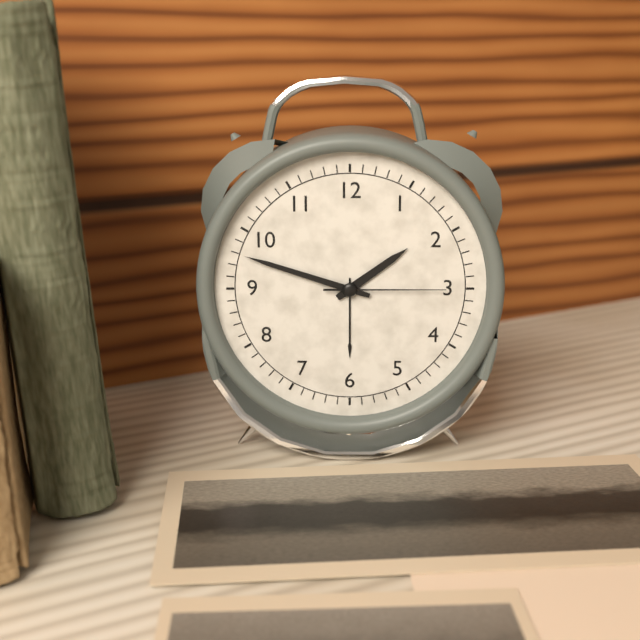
h=1 m=48 s=15
